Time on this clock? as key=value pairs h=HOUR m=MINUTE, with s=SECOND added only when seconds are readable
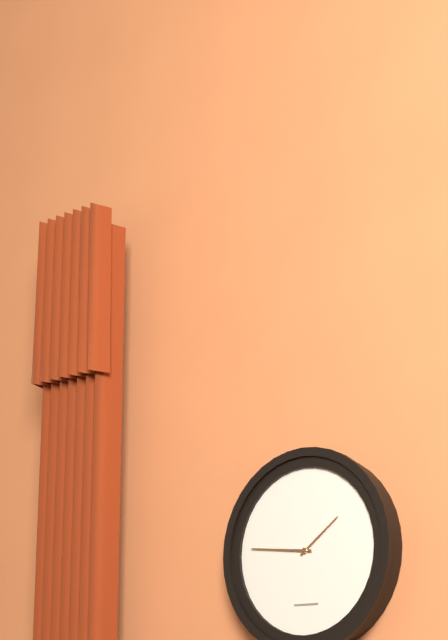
h=1 m=46
